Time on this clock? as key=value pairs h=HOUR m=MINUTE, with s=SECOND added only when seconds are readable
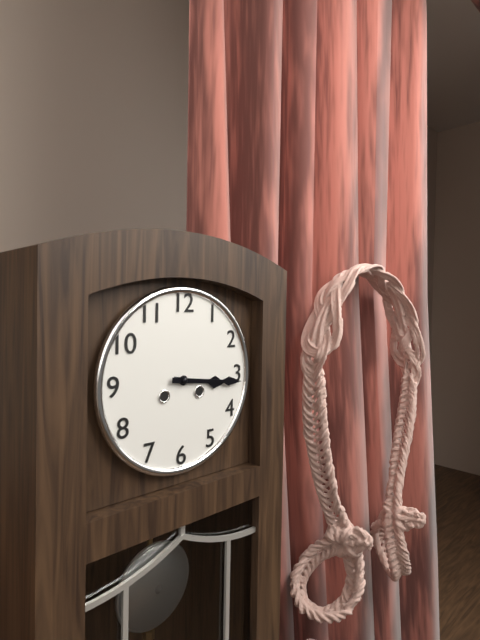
h=3 m=16
